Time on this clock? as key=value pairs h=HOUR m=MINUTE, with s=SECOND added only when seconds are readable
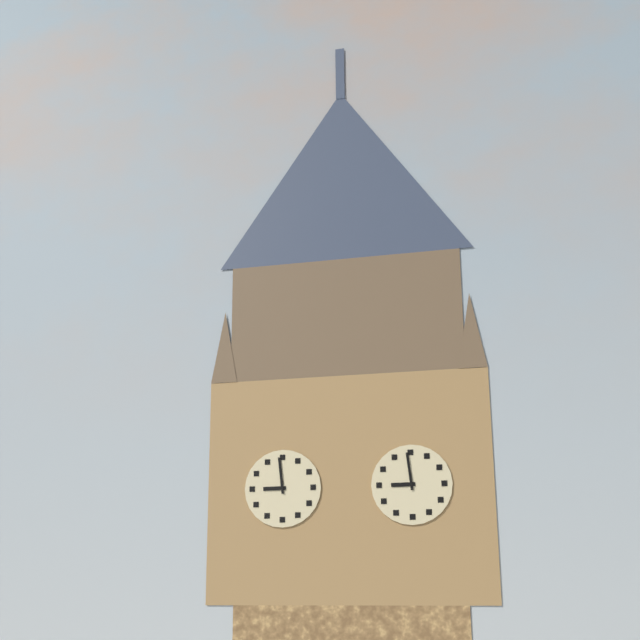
h=8 m=59
